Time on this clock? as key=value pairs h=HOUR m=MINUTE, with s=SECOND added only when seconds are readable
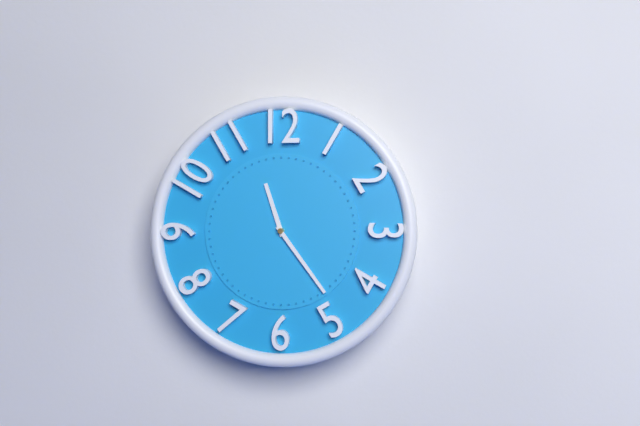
h=11 m=24
